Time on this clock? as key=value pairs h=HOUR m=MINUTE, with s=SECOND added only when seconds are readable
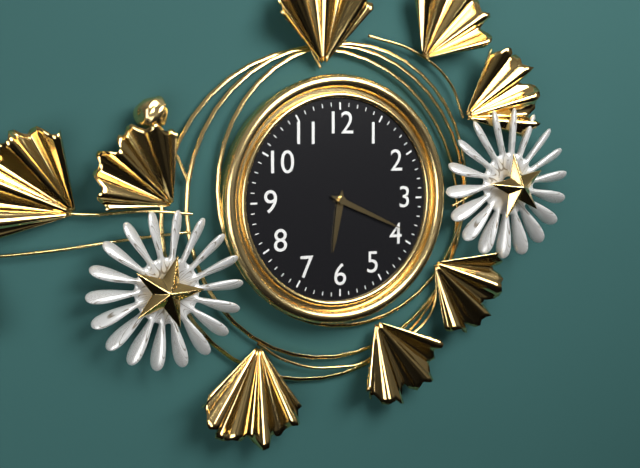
h=6 m=19
